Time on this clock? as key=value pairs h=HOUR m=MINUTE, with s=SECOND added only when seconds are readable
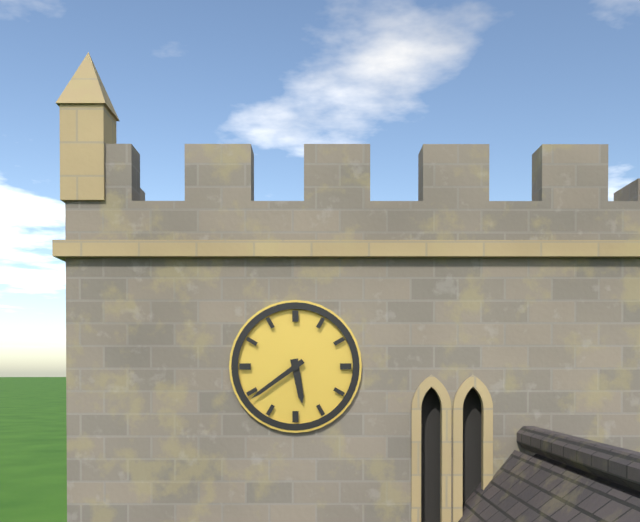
h=5 m=39
